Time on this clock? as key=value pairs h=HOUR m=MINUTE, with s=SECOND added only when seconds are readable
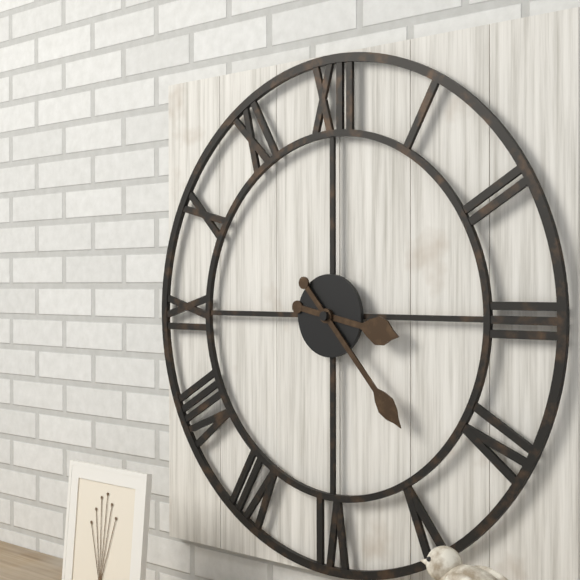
h=3 m=23
